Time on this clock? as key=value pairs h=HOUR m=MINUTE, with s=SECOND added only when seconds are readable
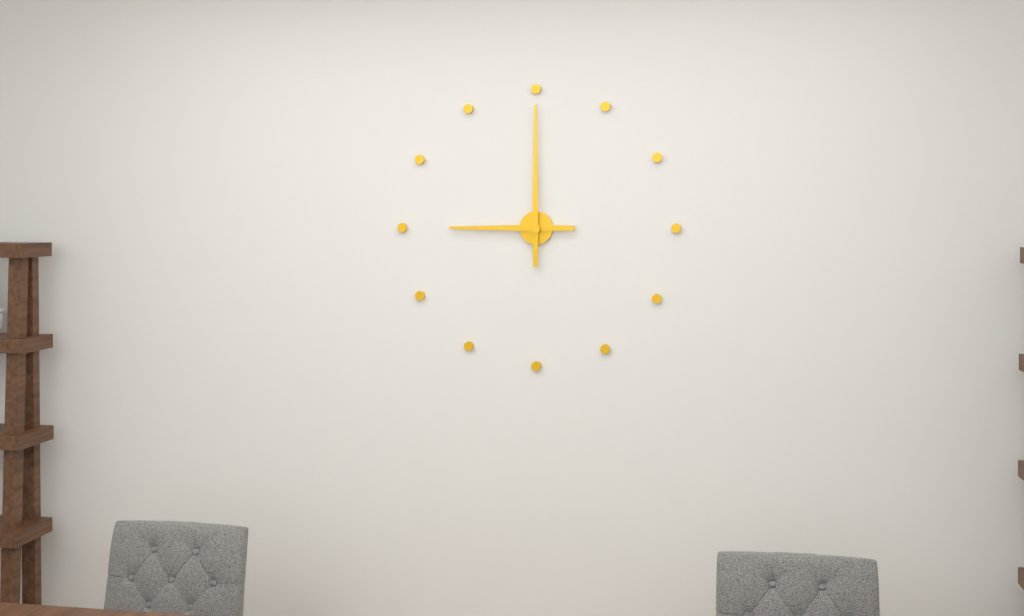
h=9 m=0
